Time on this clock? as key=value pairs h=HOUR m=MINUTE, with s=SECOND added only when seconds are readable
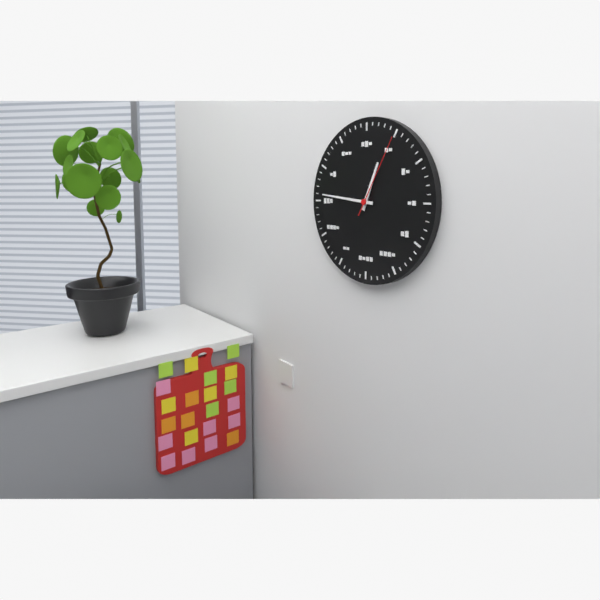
h=12 m=46 s=5
